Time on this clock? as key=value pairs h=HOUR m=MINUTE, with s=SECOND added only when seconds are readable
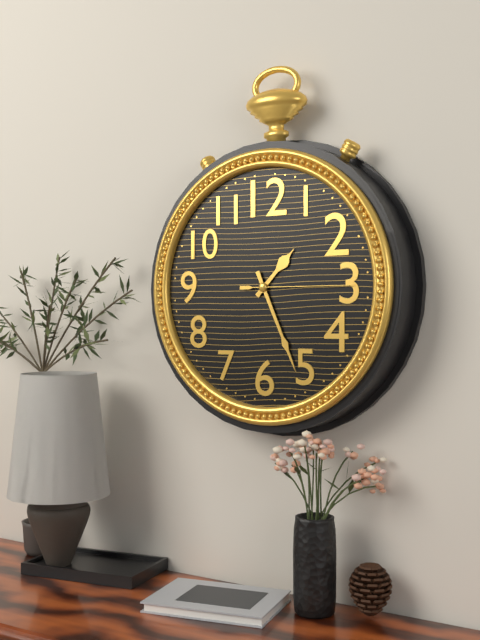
h=1 m=26 s=15
